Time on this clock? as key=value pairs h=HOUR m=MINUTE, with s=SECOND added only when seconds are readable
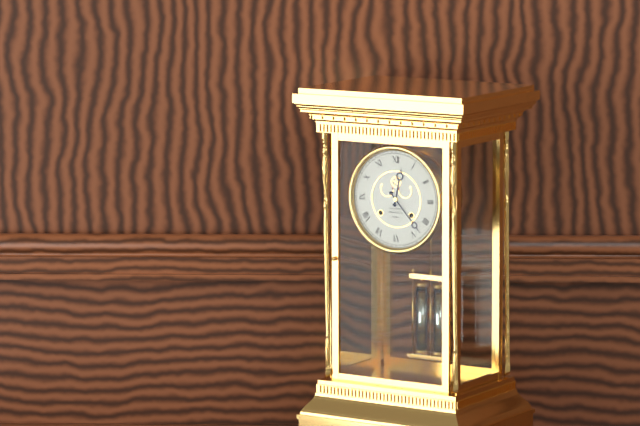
h=12 m=23
